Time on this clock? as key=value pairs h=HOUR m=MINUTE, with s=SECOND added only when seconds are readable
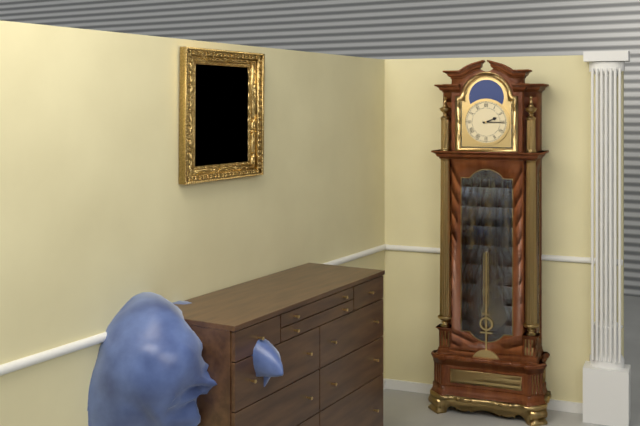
h=2 m=15
